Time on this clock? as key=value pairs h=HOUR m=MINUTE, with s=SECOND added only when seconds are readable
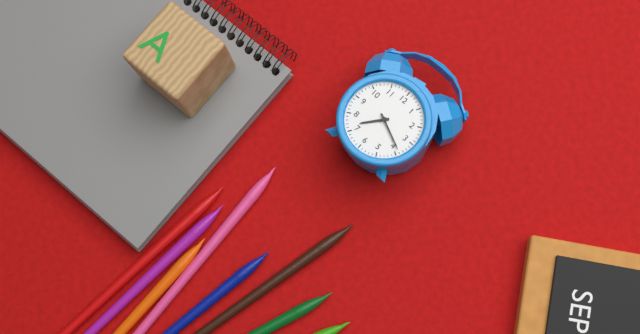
h=7 m=19
